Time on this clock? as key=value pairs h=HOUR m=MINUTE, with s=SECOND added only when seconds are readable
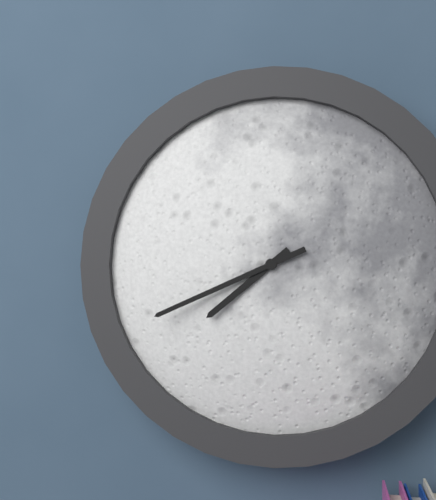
h=7 m=41
